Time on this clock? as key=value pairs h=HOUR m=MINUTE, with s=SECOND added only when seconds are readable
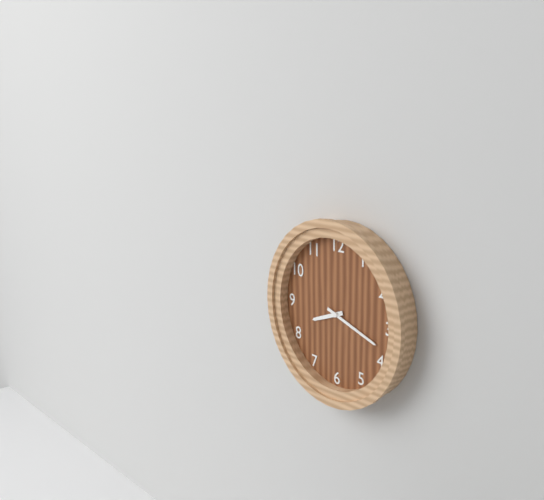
h=8 m=18
